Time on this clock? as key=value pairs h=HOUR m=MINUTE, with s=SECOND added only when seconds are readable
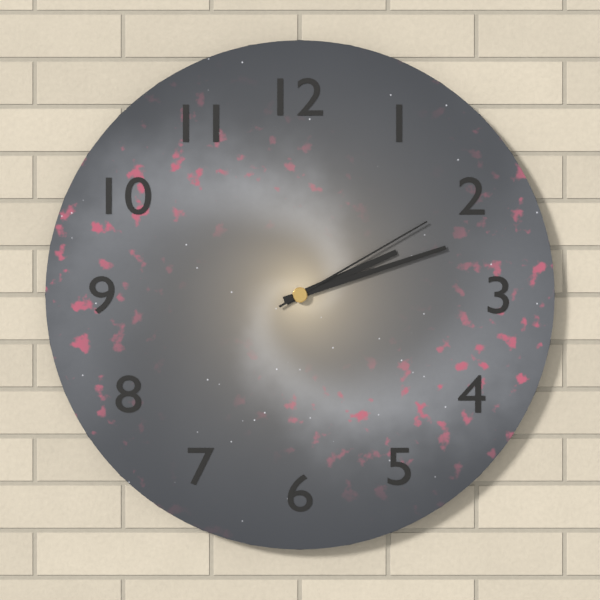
h=2 m=12 s=10
